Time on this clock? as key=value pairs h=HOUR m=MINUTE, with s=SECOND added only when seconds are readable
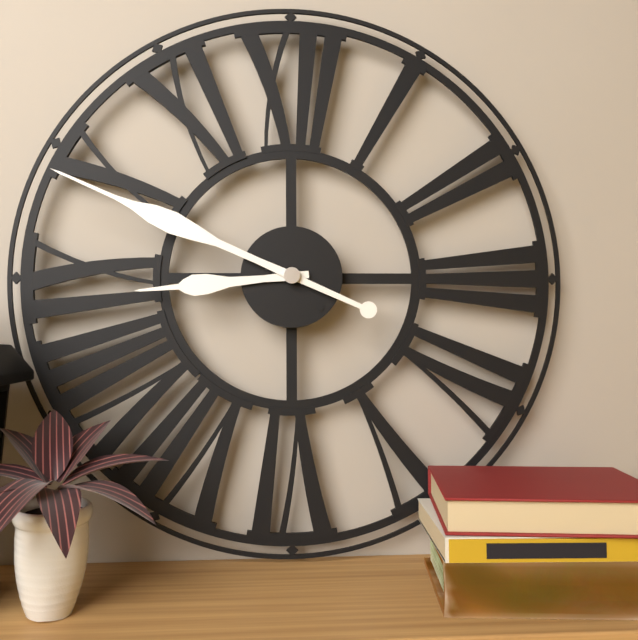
h=8 m=49
